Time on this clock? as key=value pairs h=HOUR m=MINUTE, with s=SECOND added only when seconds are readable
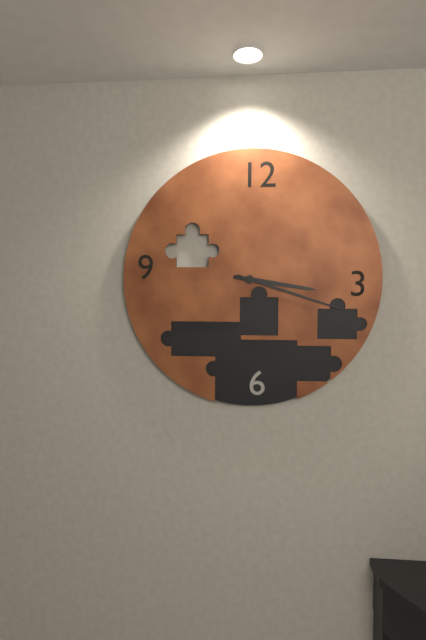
h=3 m=18
